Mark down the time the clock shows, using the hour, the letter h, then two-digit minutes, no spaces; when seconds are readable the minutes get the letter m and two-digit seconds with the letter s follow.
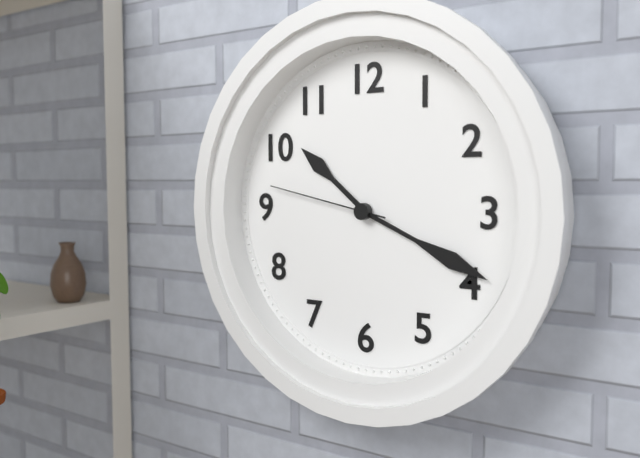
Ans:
10h19m47s
